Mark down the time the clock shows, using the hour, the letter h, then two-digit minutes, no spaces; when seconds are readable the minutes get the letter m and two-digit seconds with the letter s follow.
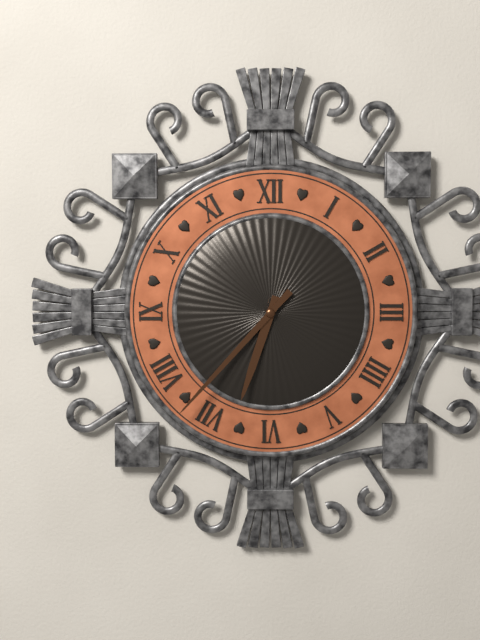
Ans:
6h37
